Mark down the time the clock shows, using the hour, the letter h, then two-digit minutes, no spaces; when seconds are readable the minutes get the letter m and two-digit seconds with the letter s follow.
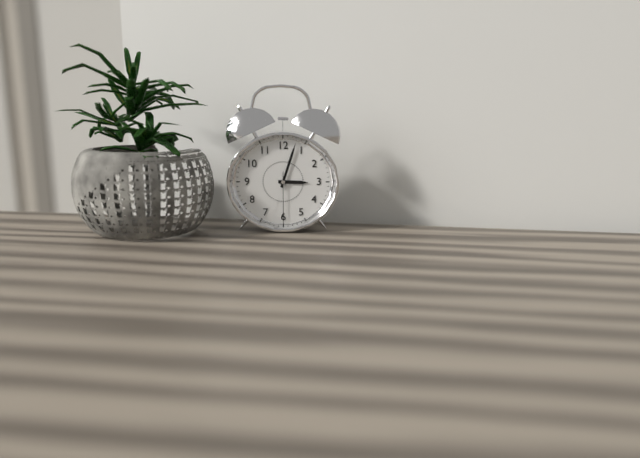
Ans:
3h03m30s
